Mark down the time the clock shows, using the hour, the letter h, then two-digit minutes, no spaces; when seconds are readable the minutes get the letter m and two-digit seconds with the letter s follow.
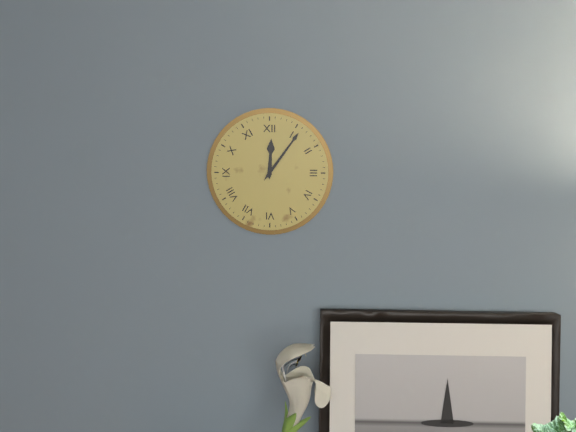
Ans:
12h06
